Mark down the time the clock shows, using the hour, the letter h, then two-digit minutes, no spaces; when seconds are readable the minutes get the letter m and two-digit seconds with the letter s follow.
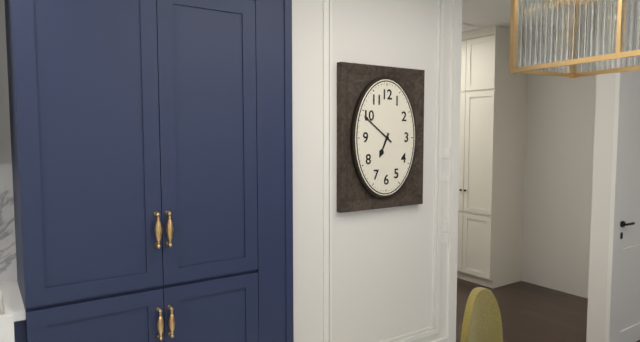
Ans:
6h51
